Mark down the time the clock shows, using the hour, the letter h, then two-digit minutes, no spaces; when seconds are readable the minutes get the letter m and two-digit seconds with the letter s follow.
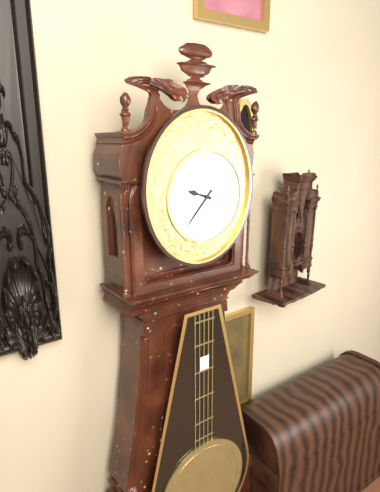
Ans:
9h37
